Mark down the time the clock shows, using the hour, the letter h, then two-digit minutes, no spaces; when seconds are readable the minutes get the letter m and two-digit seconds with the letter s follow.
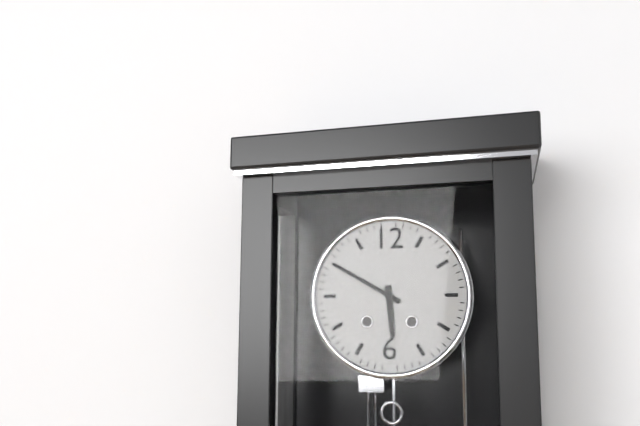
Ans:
5h50
